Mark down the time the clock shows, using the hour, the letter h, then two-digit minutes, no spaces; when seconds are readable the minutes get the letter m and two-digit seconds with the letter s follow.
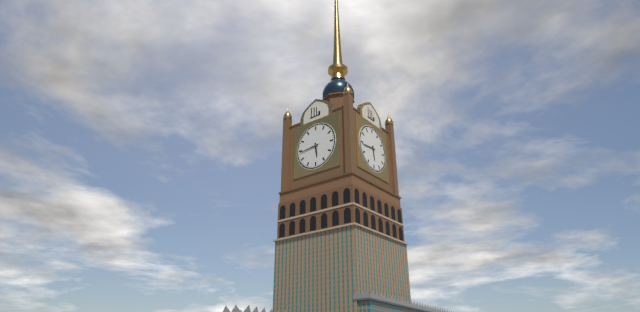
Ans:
5h44
